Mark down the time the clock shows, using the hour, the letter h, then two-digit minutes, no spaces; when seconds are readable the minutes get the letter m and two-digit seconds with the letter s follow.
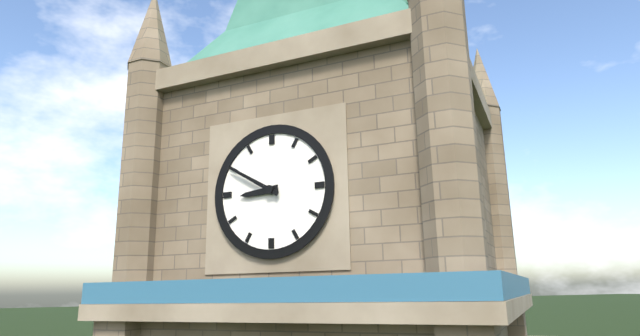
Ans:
8h50
